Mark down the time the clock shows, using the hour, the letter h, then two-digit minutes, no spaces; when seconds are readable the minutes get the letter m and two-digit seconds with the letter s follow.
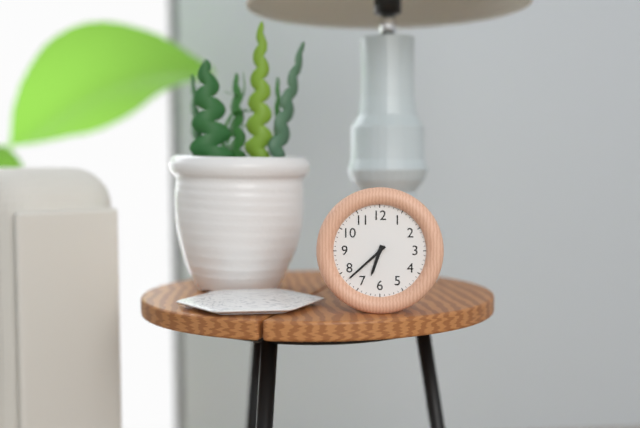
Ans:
6h38
